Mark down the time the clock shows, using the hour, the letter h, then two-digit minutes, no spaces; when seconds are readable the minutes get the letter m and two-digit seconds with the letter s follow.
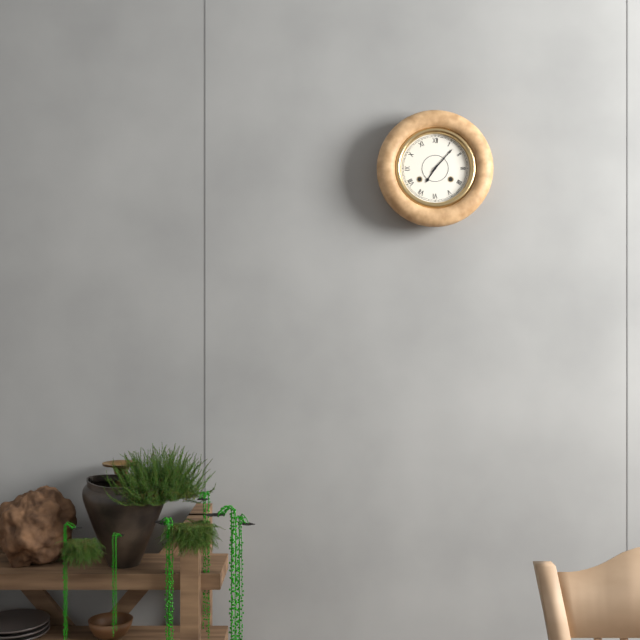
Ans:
7h07
